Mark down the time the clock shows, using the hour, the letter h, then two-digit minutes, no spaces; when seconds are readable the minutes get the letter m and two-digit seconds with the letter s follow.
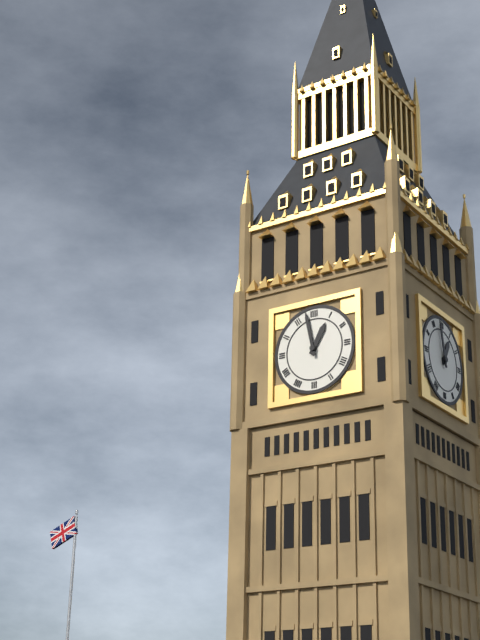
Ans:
12h58
